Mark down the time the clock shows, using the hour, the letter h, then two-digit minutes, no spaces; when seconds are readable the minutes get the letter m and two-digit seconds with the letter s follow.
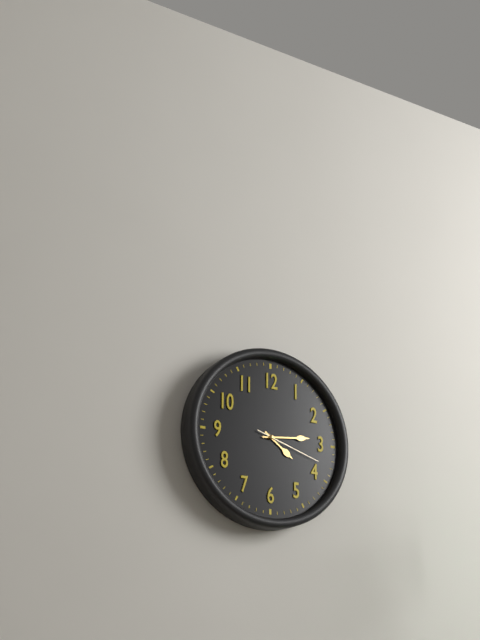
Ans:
4h14m18s
